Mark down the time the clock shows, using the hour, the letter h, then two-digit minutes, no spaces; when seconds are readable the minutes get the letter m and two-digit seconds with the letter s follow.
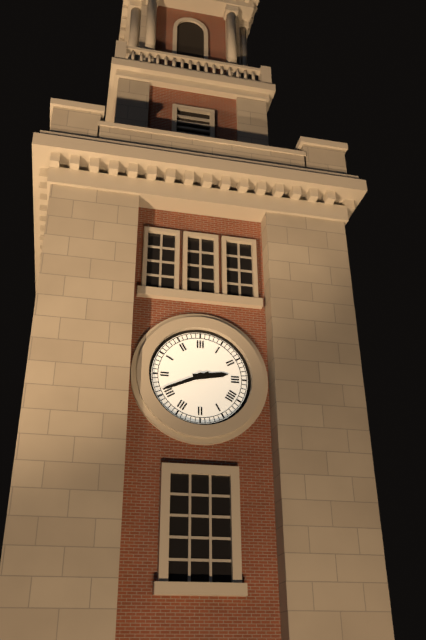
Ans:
2h41
